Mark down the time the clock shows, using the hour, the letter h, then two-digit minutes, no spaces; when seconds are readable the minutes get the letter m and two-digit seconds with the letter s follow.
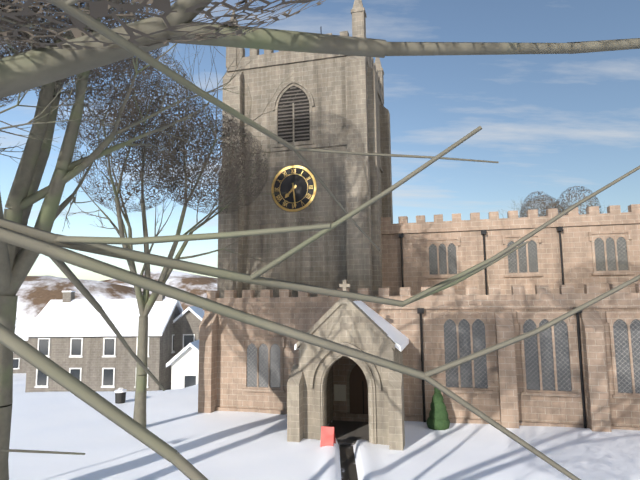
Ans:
7h29
